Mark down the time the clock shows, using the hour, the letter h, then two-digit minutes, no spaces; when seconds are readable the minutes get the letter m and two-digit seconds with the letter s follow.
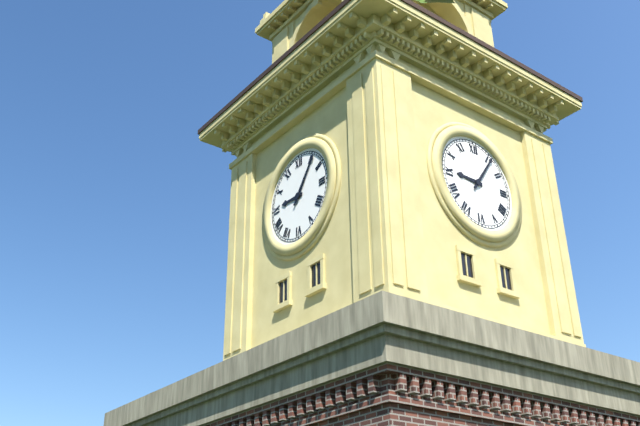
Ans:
9h06
